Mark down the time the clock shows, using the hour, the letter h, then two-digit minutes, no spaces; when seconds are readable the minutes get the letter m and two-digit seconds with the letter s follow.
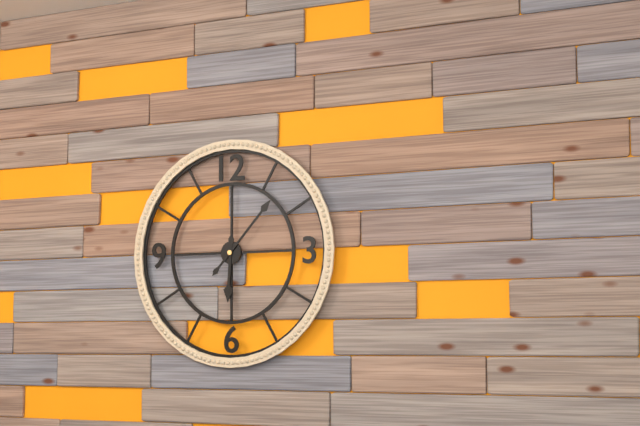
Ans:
6h07
